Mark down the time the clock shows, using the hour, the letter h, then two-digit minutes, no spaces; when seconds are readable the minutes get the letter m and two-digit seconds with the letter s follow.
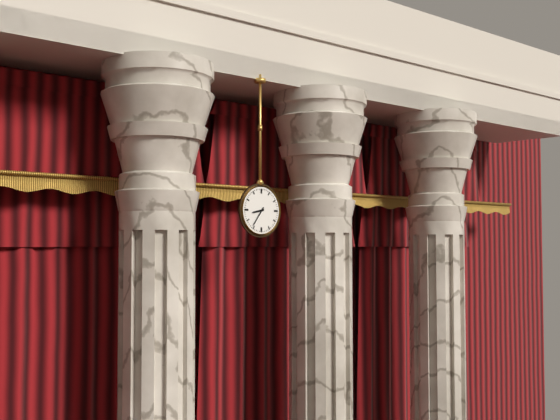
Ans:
8h36
